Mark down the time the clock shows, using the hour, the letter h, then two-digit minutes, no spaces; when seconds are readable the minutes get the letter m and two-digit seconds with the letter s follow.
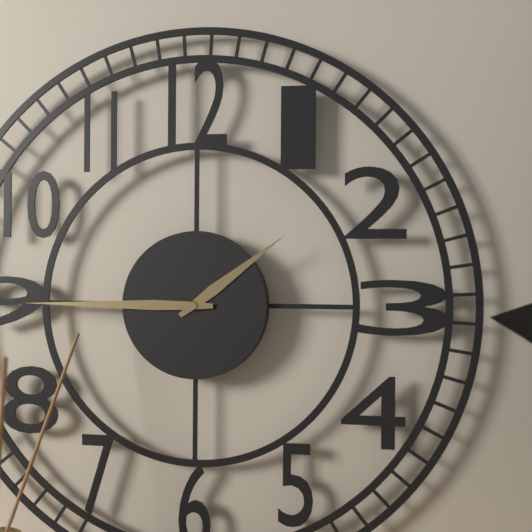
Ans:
1h45
